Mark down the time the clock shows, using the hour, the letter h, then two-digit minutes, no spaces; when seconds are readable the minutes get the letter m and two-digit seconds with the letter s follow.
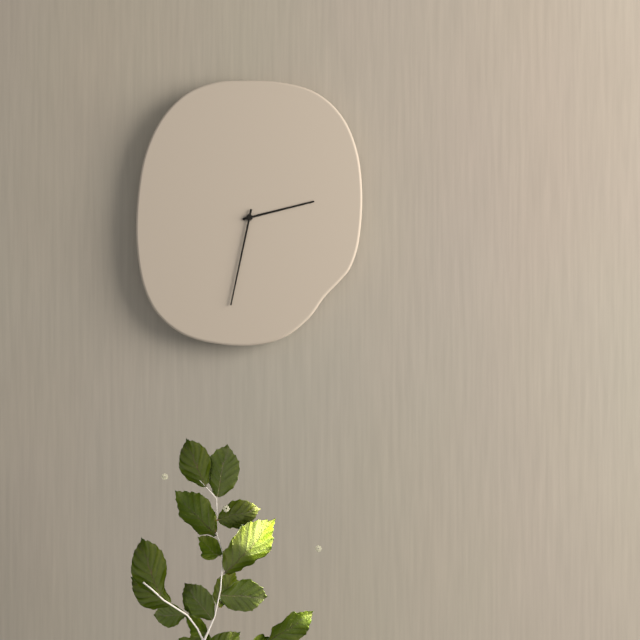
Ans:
2h32
